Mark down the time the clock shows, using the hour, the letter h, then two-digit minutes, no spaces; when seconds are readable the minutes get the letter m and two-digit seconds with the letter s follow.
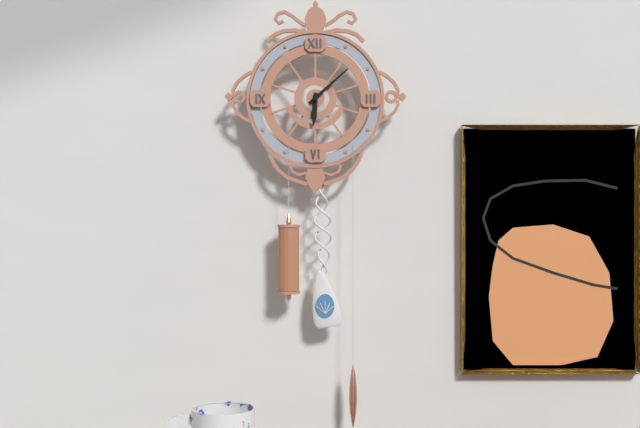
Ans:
6h08
